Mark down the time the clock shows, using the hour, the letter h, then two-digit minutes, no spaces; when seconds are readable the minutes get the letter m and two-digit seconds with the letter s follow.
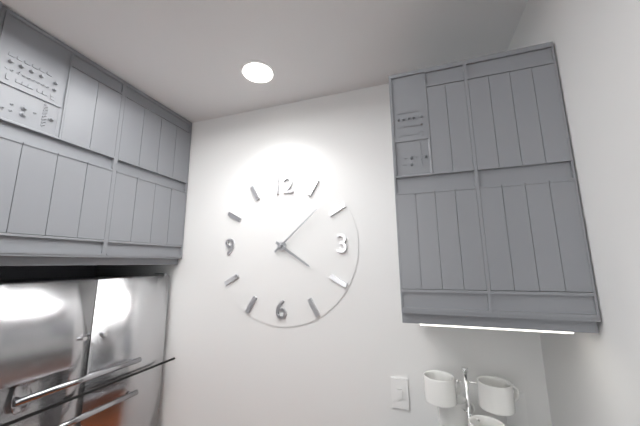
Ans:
4h08
